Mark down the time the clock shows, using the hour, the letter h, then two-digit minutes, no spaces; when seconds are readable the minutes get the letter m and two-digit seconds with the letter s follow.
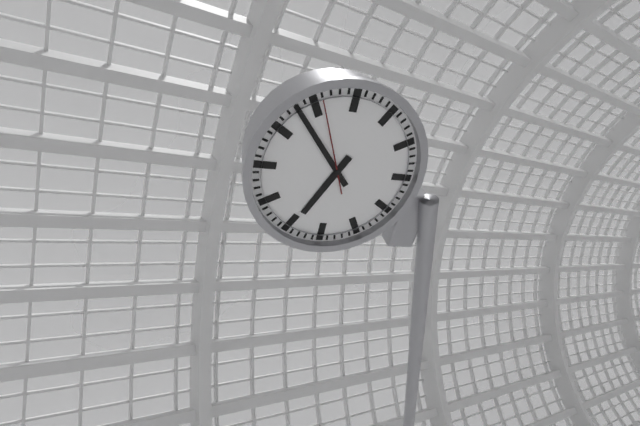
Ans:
6h53m56s
